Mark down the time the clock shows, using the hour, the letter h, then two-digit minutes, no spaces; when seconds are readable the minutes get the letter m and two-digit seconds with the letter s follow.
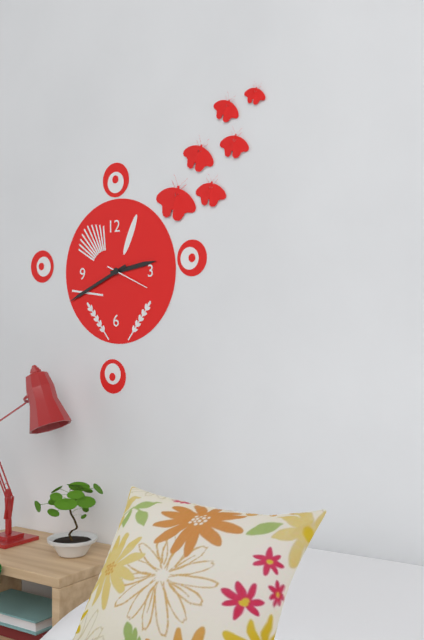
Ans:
2h41
